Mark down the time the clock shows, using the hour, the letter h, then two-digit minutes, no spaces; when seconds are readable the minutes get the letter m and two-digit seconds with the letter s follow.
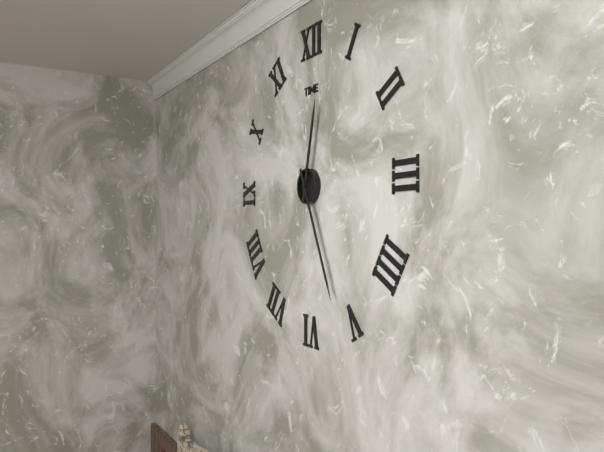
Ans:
12h26
